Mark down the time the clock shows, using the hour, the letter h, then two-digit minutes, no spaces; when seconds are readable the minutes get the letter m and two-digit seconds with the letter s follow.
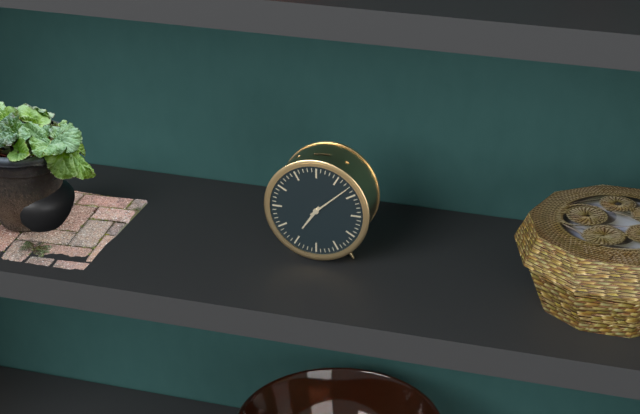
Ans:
7h08
